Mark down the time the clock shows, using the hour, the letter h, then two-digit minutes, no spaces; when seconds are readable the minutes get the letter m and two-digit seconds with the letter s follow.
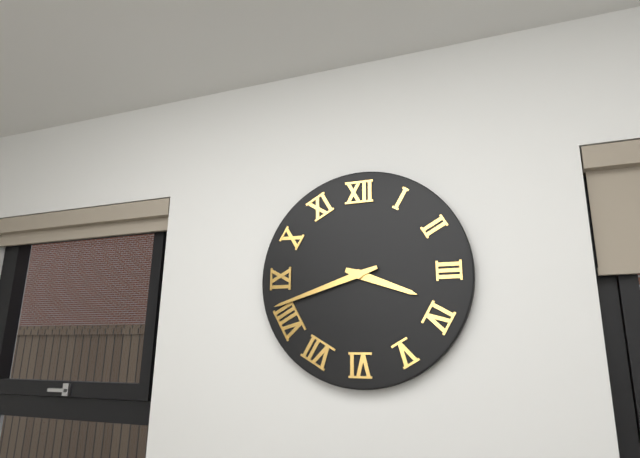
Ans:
3h42
